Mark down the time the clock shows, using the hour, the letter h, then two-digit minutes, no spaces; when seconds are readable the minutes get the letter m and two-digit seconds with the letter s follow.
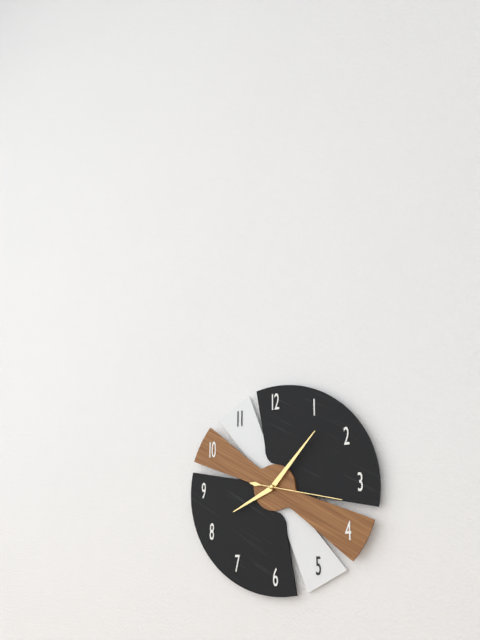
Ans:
8h07m17s
